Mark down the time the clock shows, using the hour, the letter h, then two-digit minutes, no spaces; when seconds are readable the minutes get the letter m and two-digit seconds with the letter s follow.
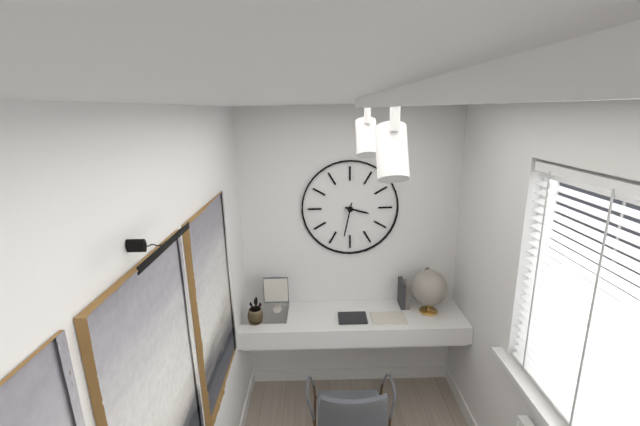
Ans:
3h32
